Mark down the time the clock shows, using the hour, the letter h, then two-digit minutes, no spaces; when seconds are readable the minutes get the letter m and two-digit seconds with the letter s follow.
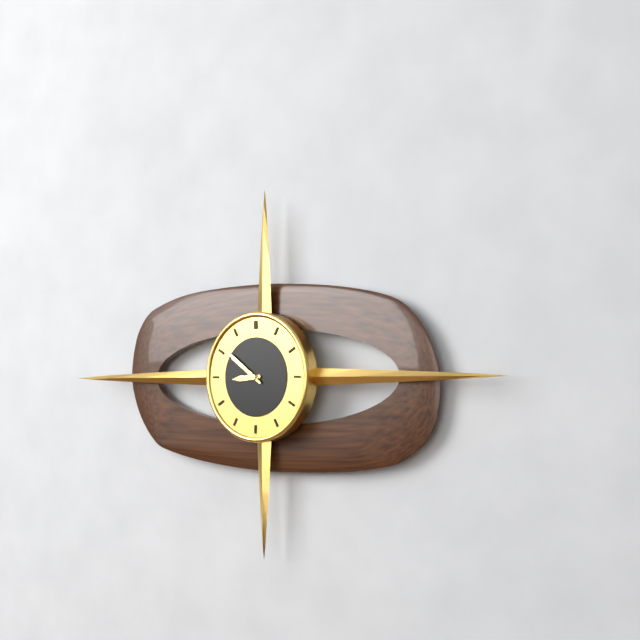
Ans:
8h51
